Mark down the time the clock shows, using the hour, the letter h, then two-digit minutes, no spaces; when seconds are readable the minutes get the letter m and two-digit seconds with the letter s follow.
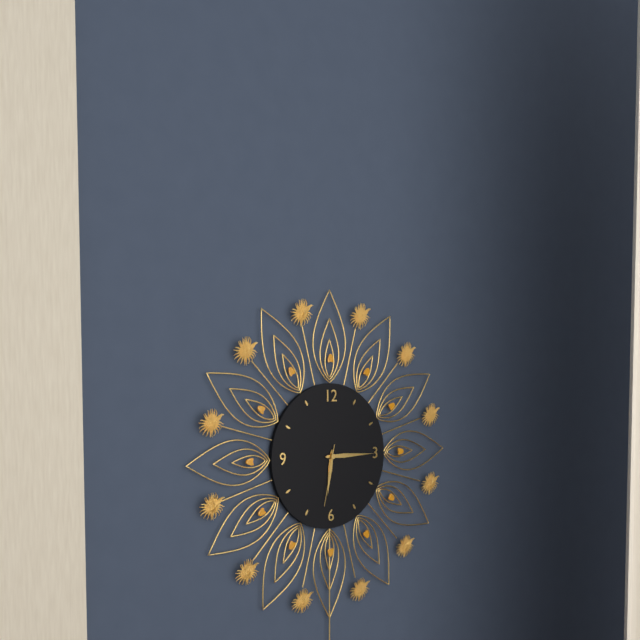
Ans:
6h15m32s
